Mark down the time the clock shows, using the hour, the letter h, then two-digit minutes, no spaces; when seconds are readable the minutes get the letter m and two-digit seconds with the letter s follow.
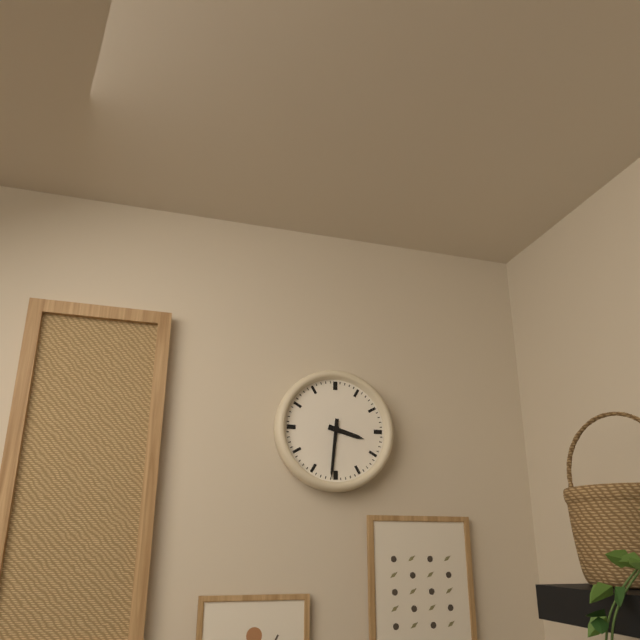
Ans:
3h31
